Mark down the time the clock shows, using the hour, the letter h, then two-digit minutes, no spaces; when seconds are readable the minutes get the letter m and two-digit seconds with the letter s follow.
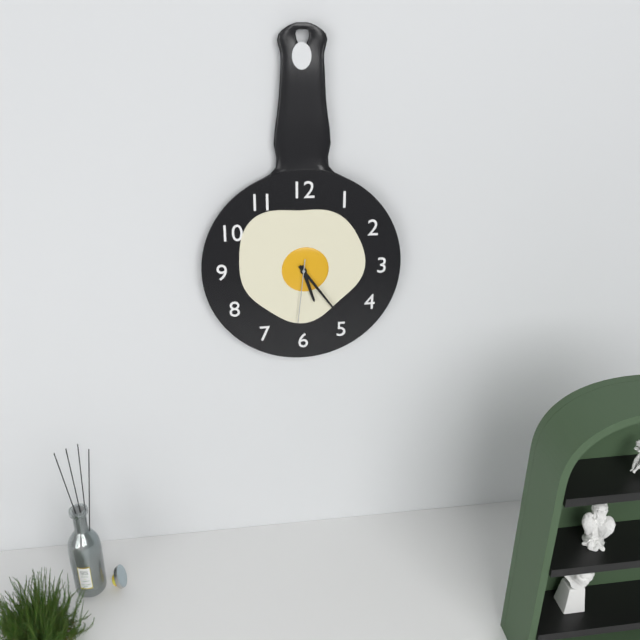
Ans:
5h24m31s
